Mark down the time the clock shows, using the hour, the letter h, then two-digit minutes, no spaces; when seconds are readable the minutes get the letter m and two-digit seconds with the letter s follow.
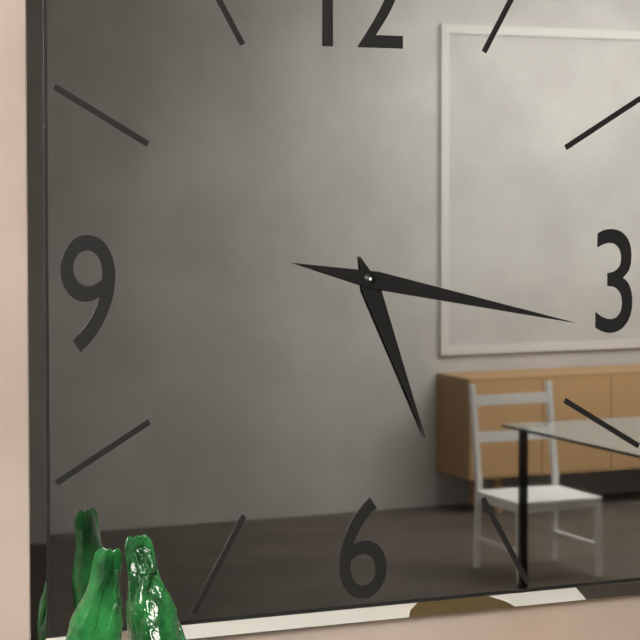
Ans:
5h17
